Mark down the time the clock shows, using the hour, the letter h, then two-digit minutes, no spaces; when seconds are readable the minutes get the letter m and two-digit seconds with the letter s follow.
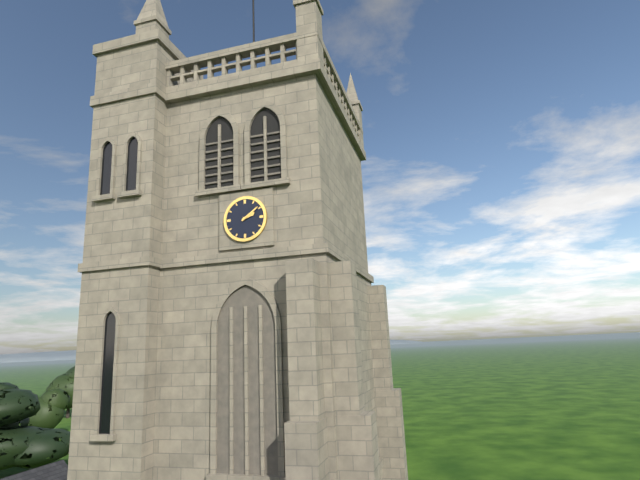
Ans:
2h09
